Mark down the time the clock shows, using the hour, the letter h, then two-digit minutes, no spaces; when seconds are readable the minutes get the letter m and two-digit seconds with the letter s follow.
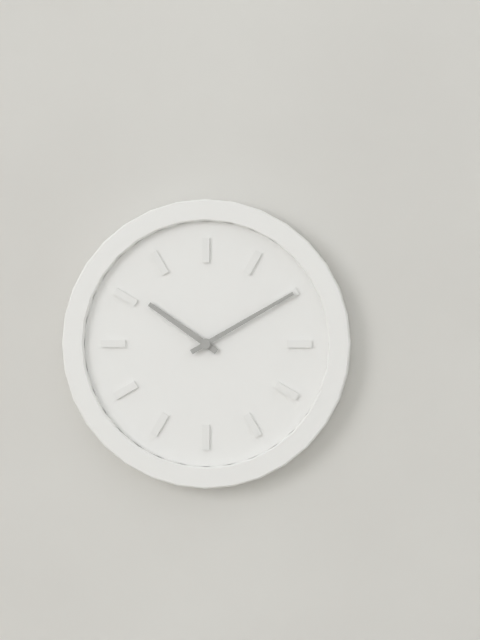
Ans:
10h10
